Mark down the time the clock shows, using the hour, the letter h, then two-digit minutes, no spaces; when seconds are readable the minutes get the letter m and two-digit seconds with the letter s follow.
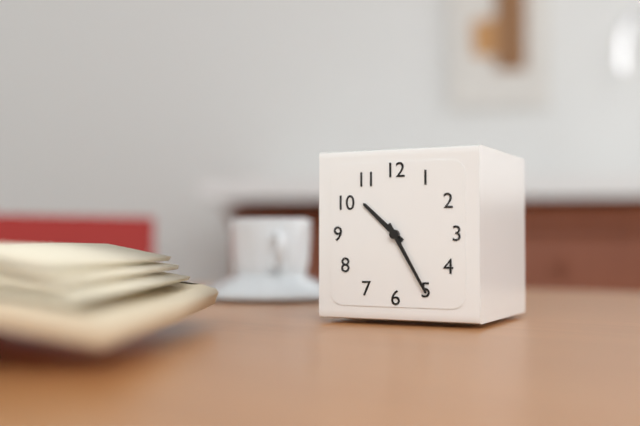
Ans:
10h25
